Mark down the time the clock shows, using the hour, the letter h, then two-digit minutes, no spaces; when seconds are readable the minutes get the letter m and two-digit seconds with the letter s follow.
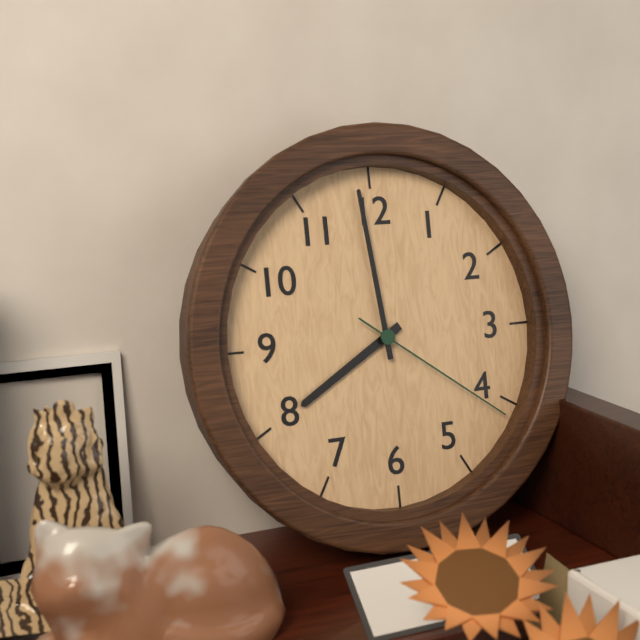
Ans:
7h59m21s
